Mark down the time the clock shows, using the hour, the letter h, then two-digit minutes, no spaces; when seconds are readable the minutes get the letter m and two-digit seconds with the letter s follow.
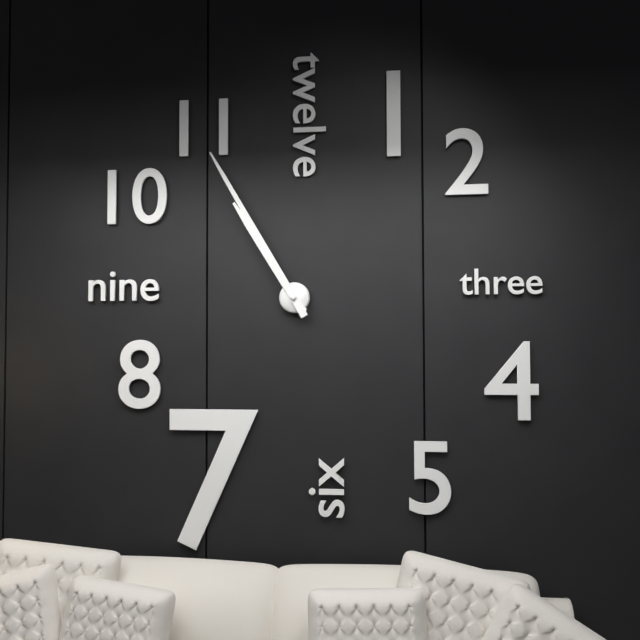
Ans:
10h55
